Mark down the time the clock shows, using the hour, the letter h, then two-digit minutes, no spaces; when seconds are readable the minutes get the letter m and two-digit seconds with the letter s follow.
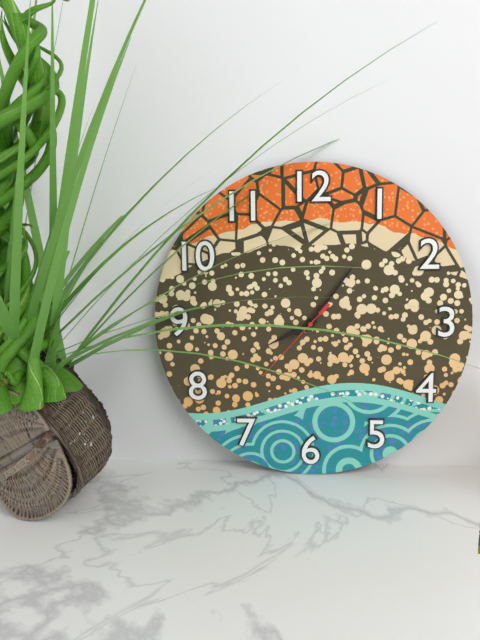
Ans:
8h06m37s
